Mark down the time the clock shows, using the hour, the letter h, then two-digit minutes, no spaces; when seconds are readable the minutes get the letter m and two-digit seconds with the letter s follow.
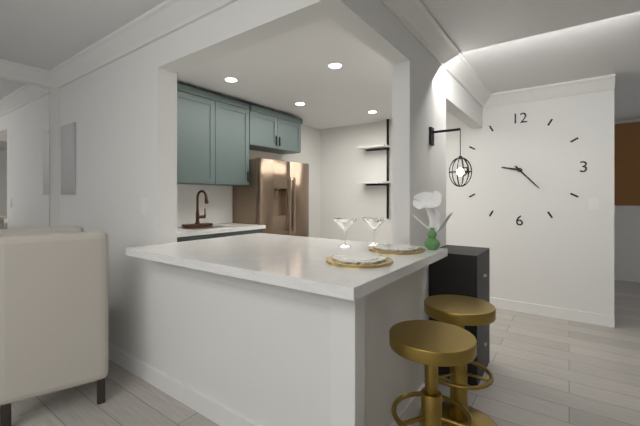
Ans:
9h23
